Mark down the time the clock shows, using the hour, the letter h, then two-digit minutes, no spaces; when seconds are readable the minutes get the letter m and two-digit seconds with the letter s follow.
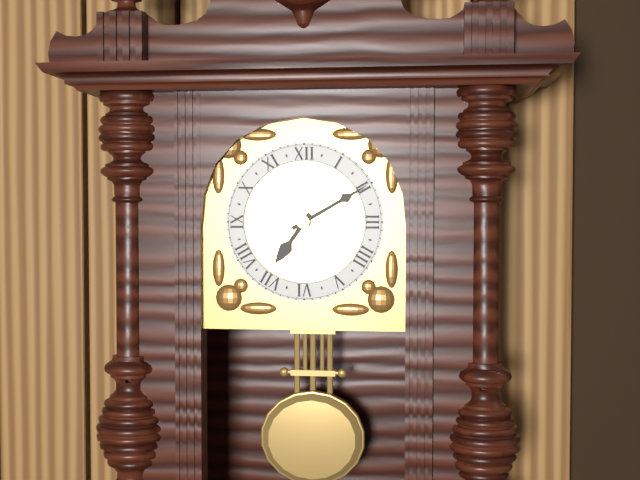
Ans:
7h10
